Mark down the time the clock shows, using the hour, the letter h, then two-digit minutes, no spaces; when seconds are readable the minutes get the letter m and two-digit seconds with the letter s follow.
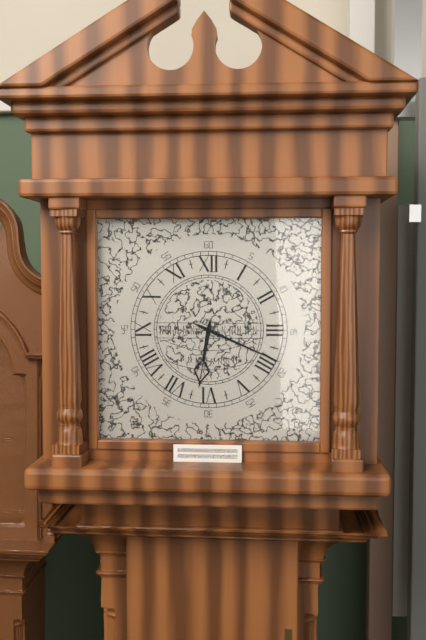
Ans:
6h19
